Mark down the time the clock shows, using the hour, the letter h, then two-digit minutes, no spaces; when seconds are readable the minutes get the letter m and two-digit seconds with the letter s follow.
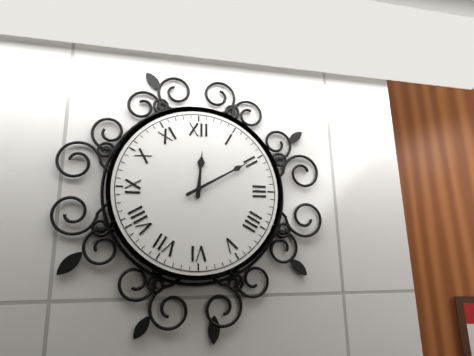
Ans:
12h10
